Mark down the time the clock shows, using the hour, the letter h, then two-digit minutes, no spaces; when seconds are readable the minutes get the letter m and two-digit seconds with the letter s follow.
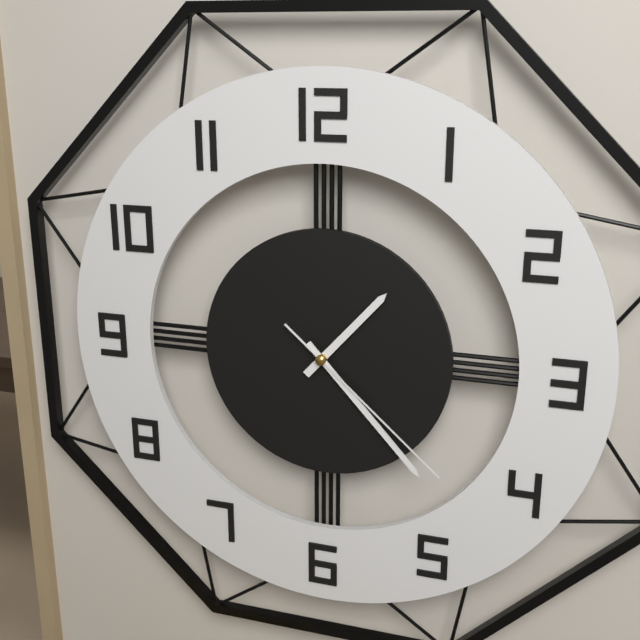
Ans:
1h23m22s
